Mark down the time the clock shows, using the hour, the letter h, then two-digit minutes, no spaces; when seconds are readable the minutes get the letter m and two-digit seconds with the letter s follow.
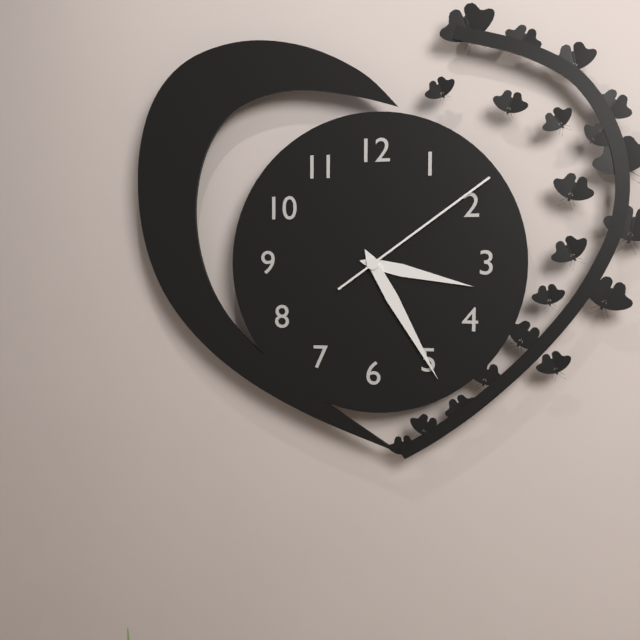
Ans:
3h25m09s
